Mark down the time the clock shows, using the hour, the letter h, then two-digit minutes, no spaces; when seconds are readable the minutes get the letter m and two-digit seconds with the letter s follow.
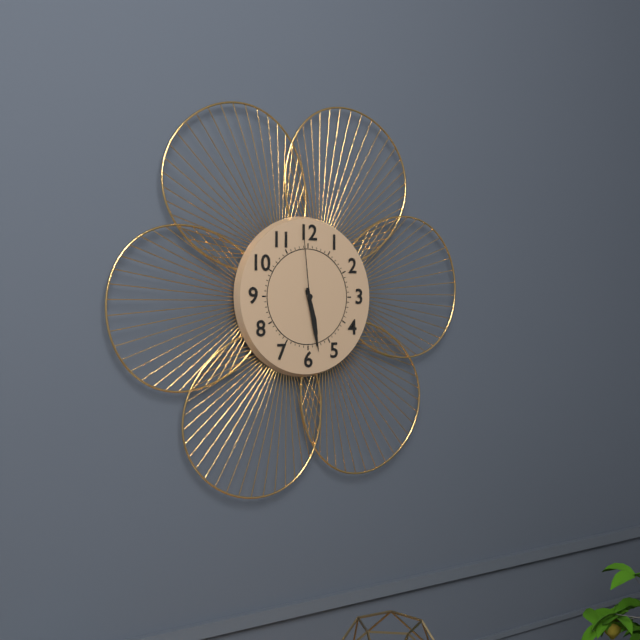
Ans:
5h28m59s
